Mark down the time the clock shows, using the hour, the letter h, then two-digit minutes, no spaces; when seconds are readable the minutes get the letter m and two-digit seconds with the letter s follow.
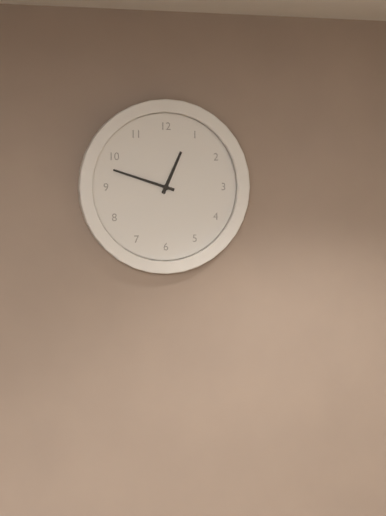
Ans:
12h48
